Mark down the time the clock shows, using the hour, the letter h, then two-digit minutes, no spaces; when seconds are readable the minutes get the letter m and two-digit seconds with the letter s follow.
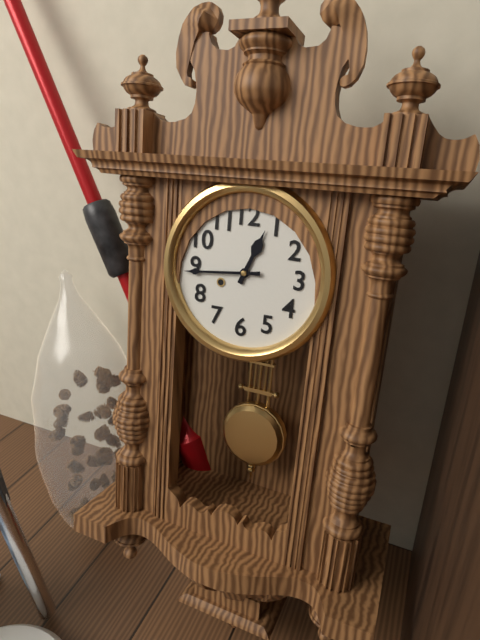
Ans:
12h44
